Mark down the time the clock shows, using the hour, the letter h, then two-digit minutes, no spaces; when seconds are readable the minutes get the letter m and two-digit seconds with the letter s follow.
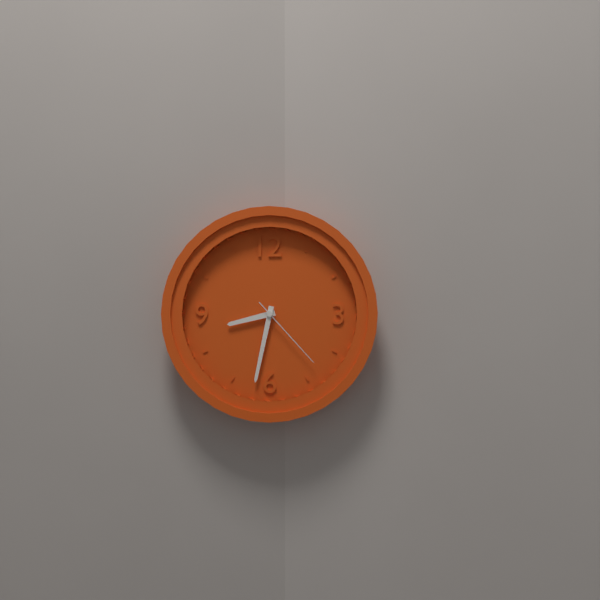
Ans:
8h32m23s
